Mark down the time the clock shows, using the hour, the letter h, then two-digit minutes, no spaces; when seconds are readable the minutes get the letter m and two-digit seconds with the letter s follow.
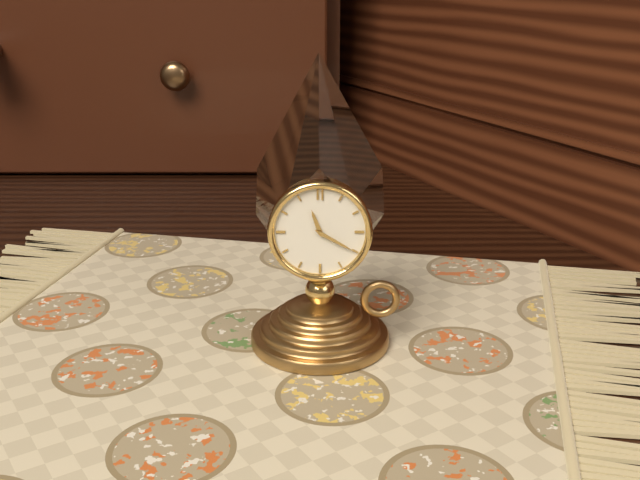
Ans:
11h20
